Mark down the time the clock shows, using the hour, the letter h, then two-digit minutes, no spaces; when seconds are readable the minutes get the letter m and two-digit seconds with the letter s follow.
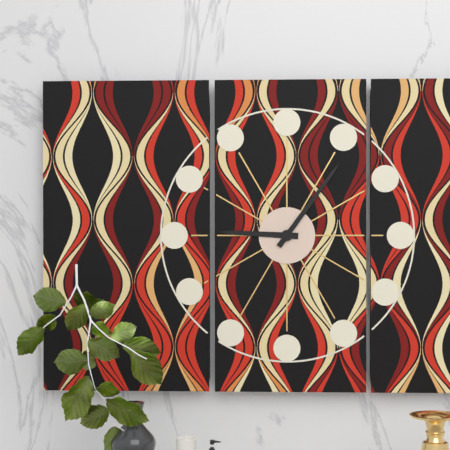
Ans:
9h06
